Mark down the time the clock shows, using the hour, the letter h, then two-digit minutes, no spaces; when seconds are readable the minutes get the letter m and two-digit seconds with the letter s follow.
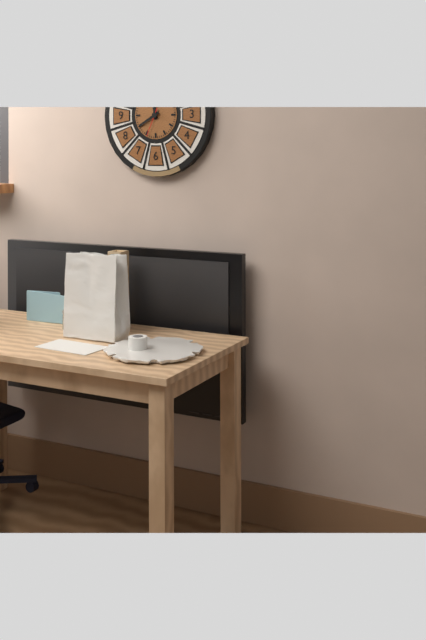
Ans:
11h40
